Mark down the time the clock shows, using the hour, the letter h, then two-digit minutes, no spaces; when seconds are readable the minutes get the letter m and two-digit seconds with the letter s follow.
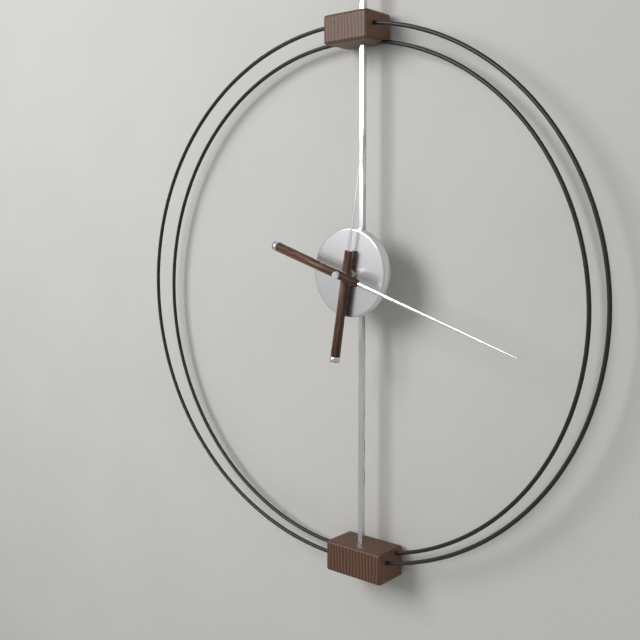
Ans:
12h18
